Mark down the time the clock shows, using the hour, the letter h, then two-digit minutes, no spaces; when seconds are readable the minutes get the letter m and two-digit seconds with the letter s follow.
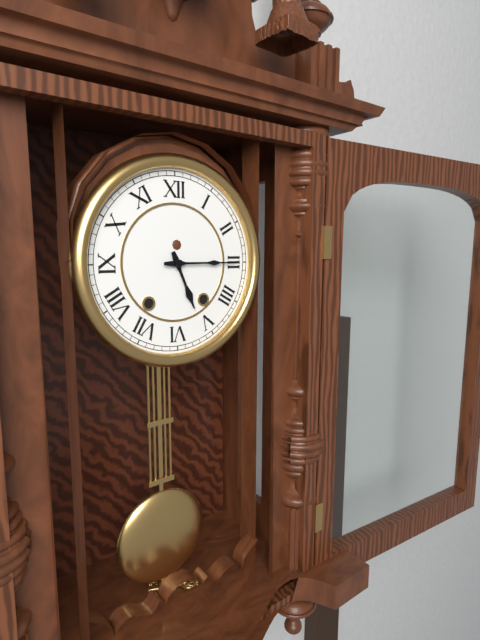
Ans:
5h15
